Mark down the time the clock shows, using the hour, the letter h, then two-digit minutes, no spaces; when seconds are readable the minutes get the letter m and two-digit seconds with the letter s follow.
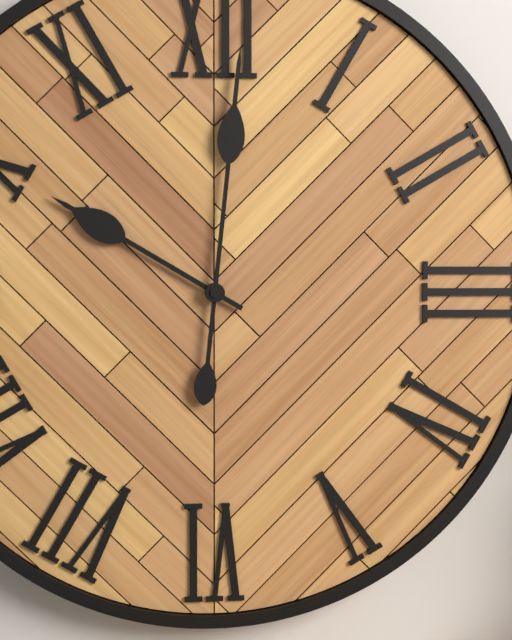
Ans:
10h01
